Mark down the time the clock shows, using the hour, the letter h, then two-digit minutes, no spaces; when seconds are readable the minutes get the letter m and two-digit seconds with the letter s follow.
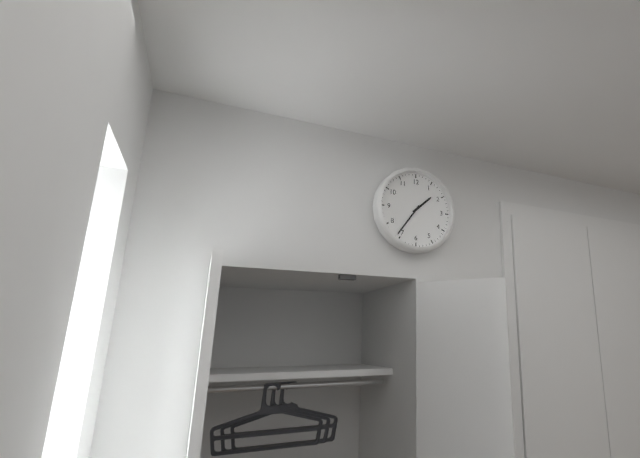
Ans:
1h36
